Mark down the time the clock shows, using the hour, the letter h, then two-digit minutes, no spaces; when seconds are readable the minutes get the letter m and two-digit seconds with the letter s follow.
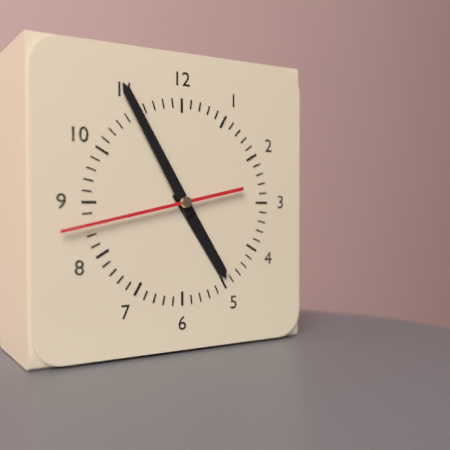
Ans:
4h55m43s
